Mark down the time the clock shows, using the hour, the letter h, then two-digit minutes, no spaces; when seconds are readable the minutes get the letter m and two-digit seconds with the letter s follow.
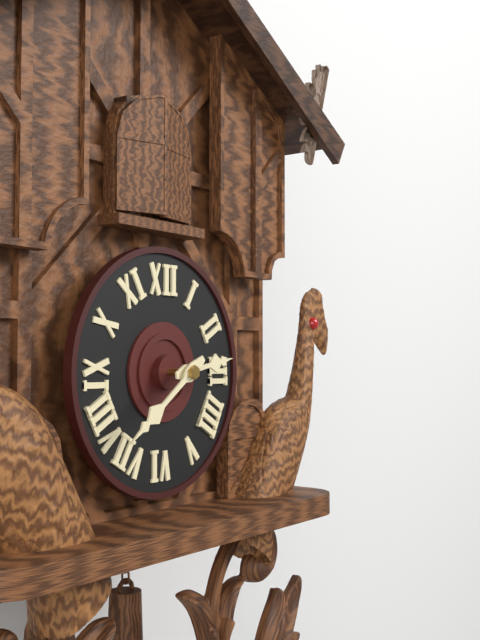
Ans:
2h39
